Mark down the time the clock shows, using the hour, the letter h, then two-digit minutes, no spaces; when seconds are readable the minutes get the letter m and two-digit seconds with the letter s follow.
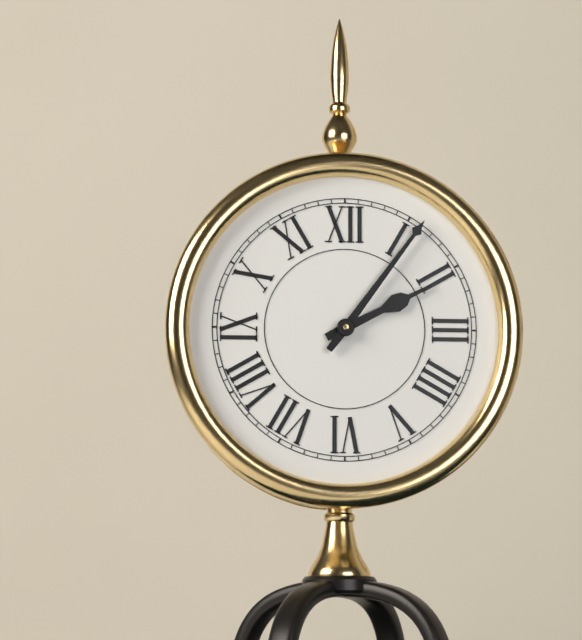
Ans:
2h06
